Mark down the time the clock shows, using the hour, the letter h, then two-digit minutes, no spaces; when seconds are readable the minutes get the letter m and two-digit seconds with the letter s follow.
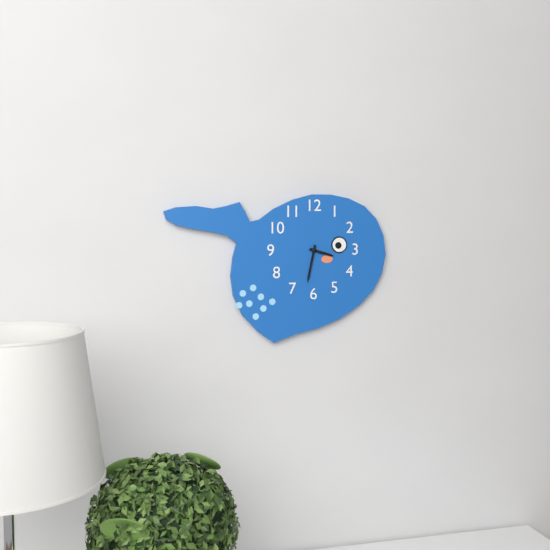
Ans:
3h32
